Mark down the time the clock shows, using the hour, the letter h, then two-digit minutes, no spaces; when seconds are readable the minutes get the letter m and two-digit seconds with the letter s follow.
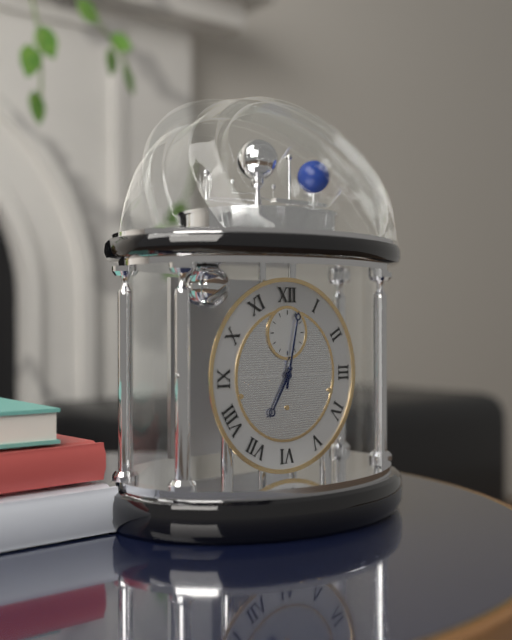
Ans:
7h02
